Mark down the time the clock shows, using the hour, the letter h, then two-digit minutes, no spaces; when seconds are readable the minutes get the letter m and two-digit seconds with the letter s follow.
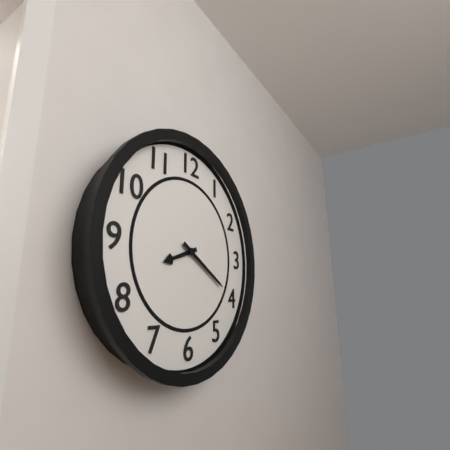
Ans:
8h20
